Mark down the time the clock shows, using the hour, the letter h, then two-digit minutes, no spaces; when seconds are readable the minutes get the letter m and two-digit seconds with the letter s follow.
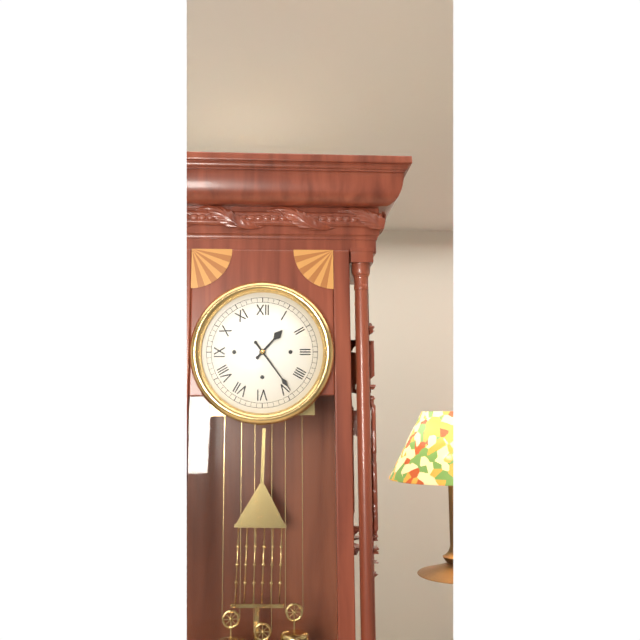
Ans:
1h24
